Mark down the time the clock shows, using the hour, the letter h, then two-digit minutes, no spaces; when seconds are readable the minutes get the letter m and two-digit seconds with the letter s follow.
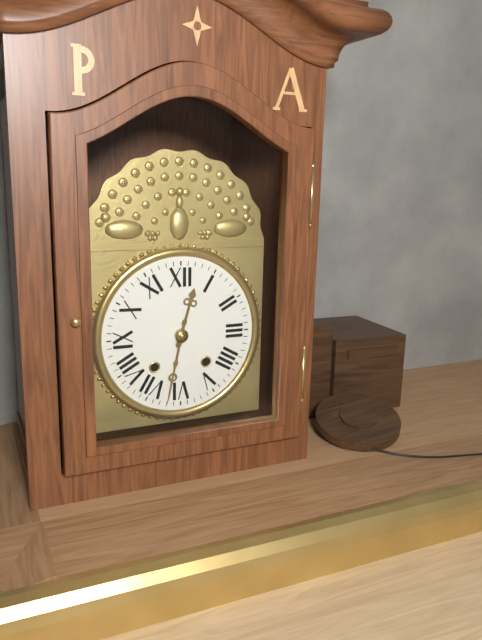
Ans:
12h32
